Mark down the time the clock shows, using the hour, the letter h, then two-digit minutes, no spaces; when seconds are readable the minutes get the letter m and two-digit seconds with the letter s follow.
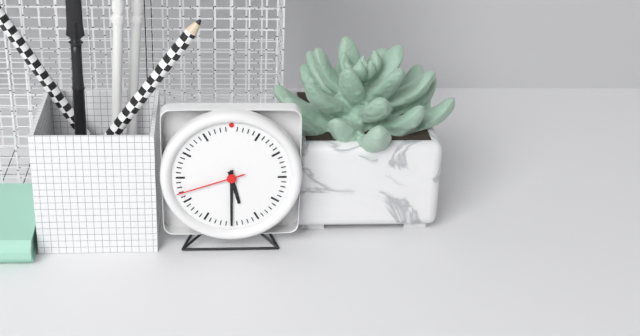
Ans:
5h30m42s
